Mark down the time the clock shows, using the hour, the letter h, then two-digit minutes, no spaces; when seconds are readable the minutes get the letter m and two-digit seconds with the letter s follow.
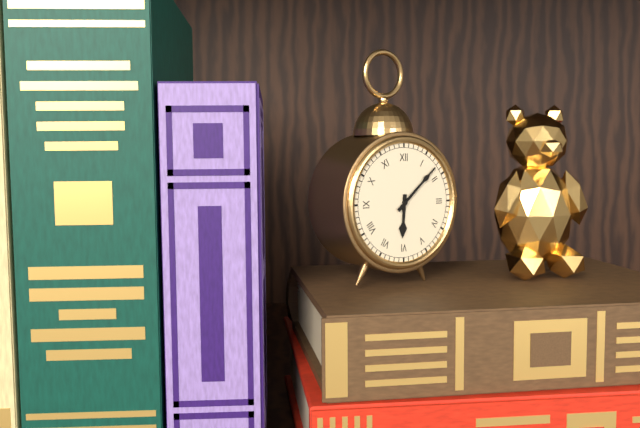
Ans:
6h08
